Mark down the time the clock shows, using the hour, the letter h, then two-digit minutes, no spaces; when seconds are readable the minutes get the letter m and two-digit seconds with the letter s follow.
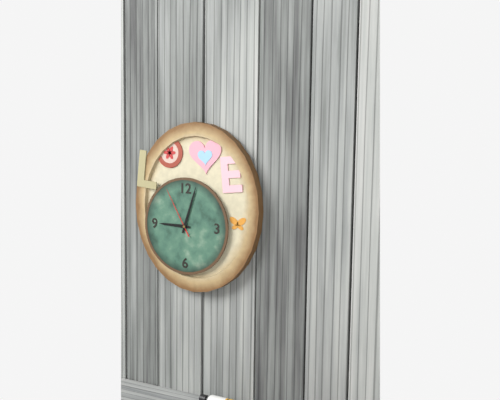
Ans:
9h03m55s
